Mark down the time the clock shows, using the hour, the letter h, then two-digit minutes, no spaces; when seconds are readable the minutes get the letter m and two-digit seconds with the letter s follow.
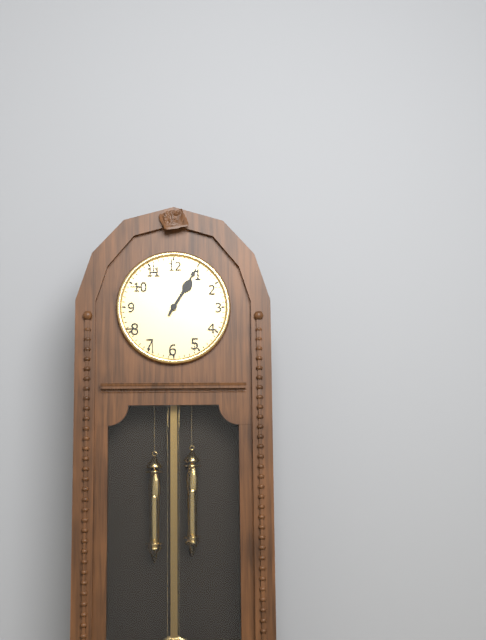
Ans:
1h05
